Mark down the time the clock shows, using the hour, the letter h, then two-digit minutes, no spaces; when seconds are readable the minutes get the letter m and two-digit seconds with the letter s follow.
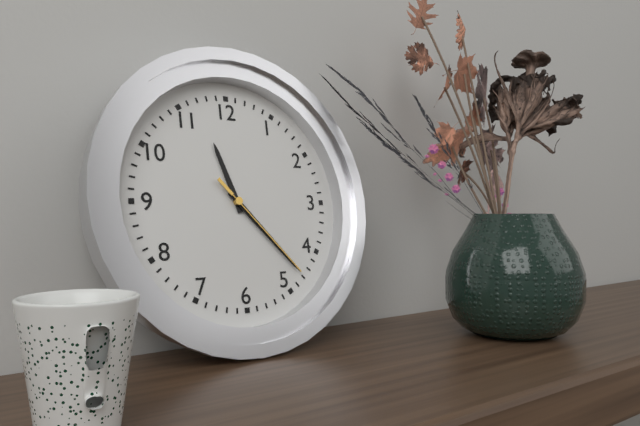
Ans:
11h23m23s
